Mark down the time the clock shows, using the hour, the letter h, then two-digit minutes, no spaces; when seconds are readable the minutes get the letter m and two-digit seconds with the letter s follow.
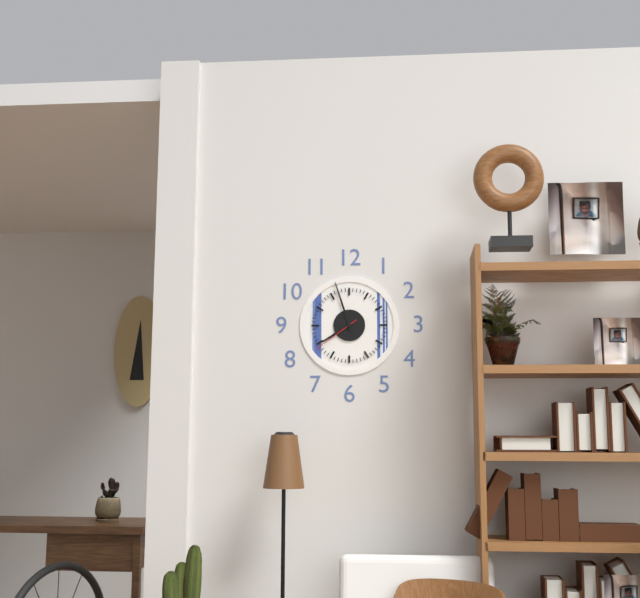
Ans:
7h57m39s
